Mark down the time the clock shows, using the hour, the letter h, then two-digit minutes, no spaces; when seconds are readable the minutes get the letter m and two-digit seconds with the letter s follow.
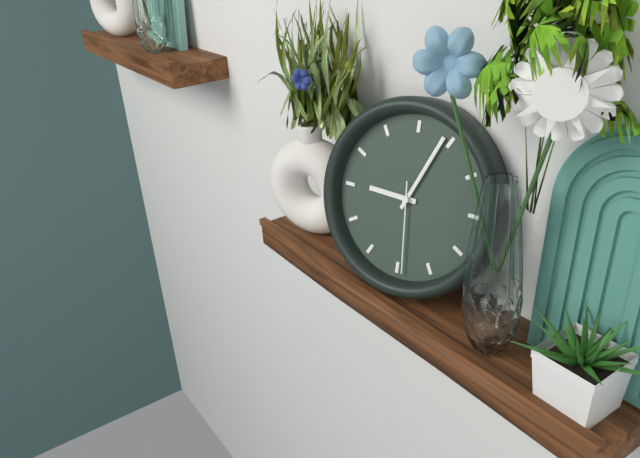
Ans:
9h04m29s
